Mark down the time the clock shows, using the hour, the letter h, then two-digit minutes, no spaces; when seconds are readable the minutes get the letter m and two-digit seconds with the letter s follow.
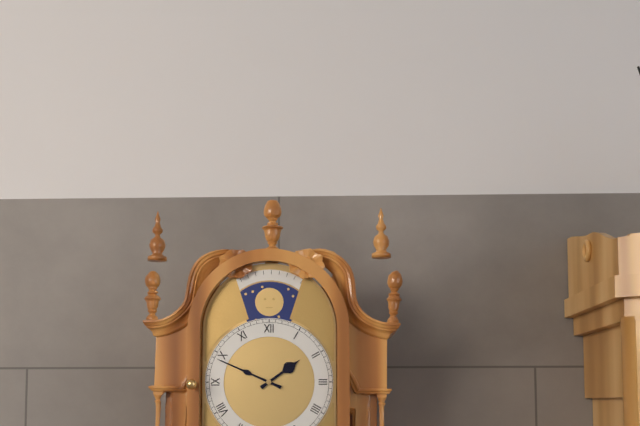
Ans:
1h49
